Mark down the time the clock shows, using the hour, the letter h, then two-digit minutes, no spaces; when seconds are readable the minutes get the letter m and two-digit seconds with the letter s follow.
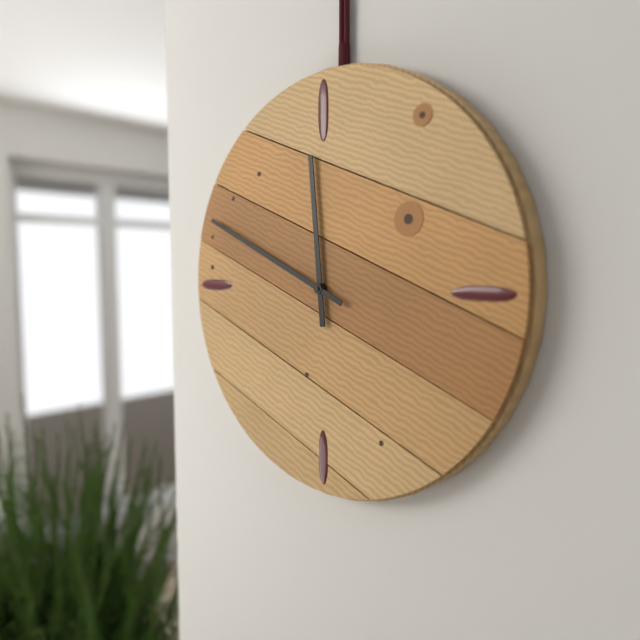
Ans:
11h49
